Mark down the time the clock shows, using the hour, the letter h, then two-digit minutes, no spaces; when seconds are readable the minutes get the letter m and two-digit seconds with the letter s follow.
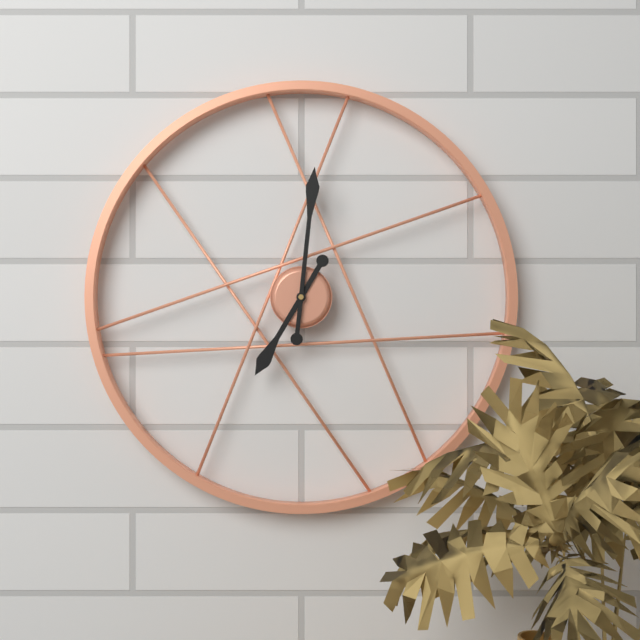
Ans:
7h01
